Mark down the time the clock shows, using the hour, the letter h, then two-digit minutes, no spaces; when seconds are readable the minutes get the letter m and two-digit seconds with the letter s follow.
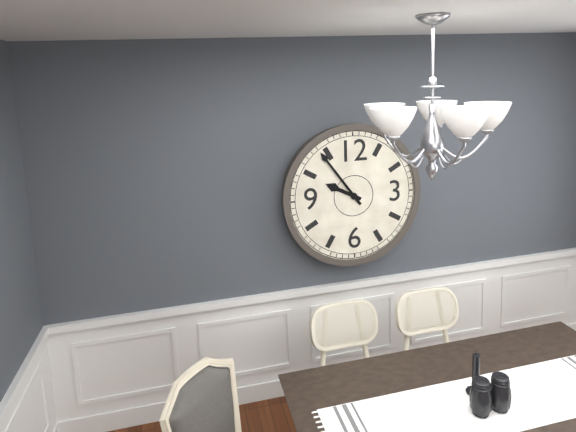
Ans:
9h54
